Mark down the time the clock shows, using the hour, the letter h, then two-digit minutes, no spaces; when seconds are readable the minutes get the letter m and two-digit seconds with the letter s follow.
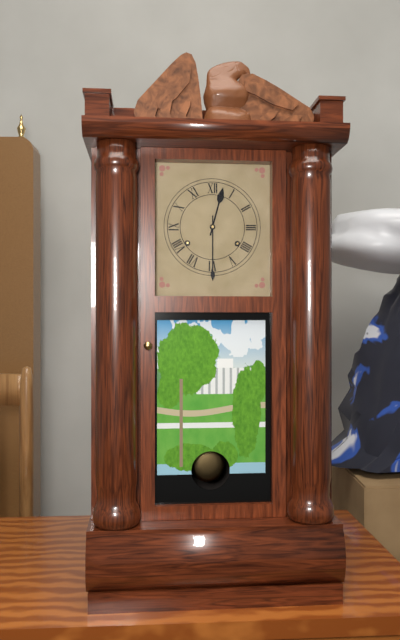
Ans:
12h30
